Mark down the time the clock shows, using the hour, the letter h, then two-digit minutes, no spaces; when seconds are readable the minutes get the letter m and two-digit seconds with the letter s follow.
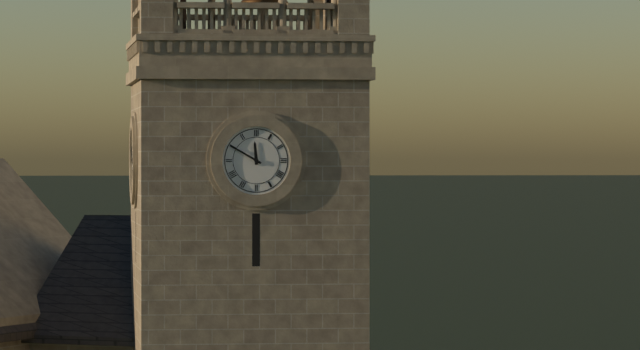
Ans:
11h50
